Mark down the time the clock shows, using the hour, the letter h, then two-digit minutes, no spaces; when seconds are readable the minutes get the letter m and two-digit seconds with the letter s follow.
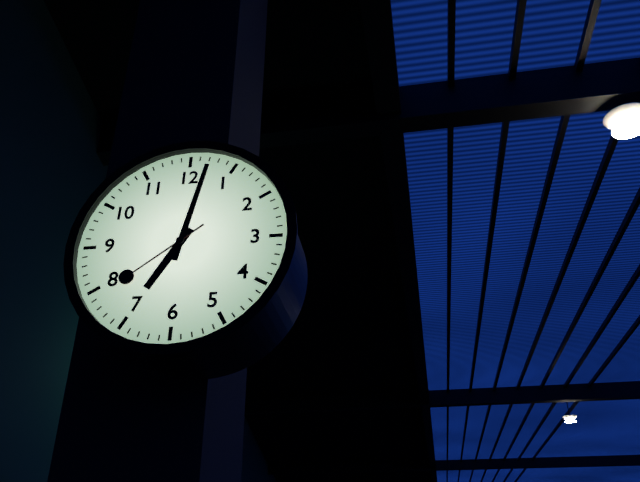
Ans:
7h02m39s
